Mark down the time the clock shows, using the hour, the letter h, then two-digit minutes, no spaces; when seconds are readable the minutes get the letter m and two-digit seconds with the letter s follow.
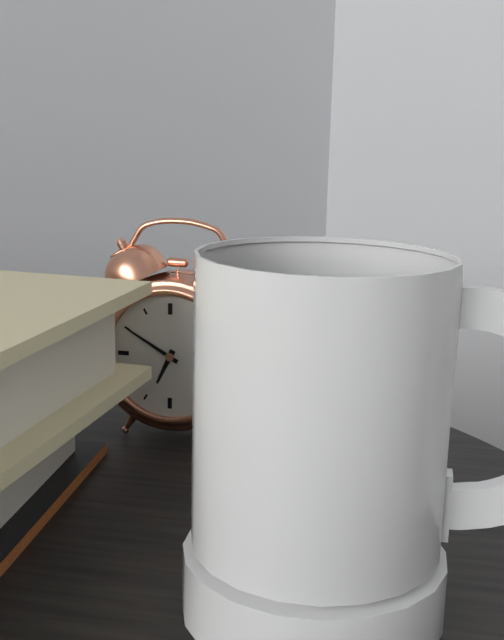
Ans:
6h50
